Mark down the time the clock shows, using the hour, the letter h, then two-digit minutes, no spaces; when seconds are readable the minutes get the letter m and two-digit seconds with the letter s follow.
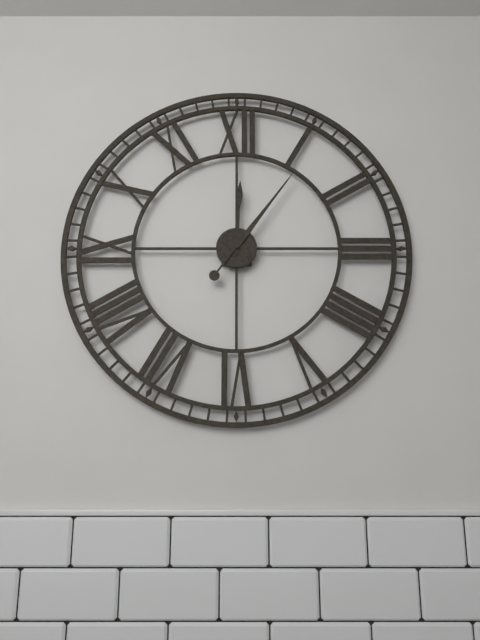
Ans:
12h06
